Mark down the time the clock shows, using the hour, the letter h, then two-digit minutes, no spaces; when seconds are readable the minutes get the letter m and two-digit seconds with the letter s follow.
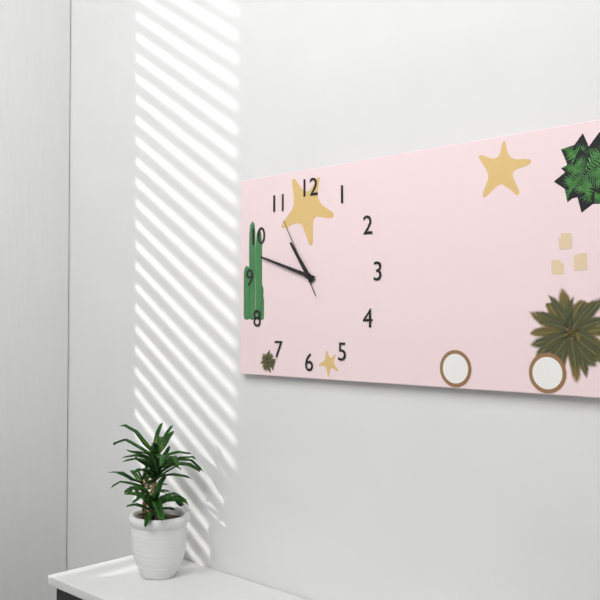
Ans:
10h48m55s
